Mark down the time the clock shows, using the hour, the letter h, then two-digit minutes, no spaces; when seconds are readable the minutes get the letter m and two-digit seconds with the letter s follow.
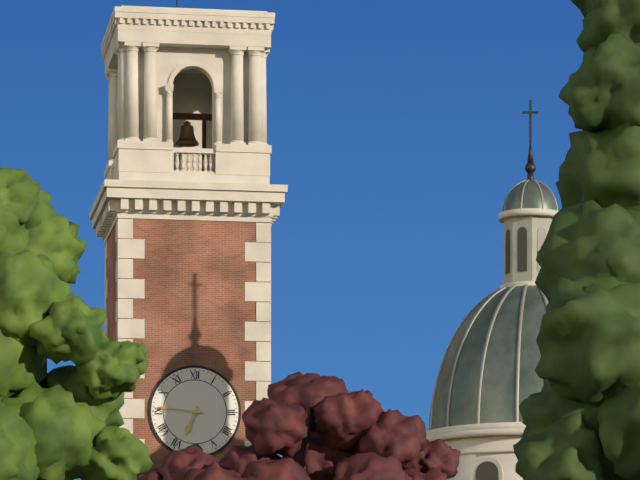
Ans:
6h46
